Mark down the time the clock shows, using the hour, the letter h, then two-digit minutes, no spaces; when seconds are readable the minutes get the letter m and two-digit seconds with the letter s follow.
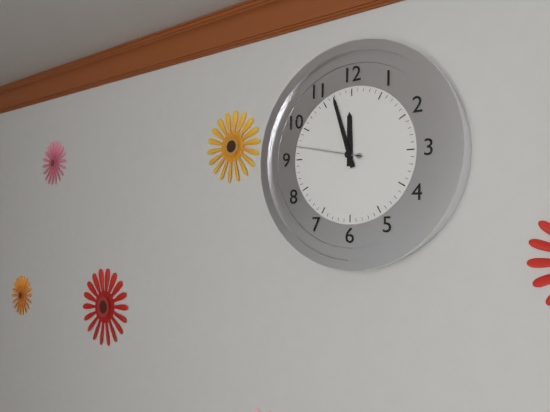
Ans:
11h57m47s
